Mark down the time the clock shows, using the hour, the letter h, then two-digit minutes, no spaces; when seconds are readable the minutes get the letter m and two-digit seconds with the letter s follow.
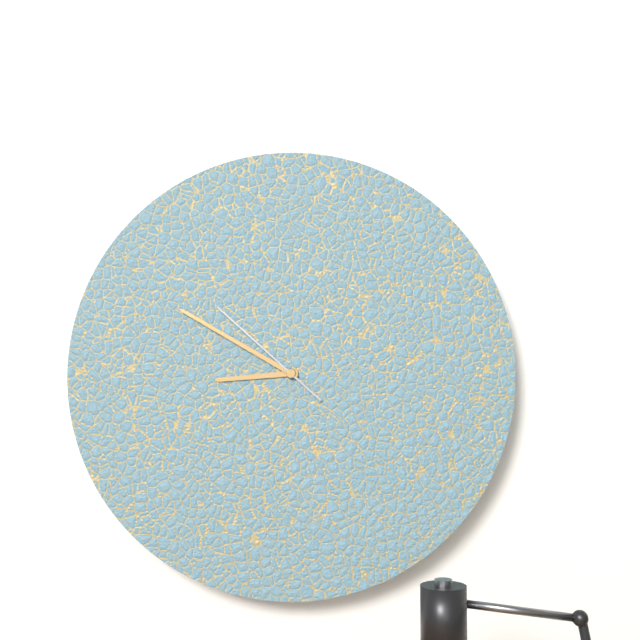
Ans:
8h50m52s
